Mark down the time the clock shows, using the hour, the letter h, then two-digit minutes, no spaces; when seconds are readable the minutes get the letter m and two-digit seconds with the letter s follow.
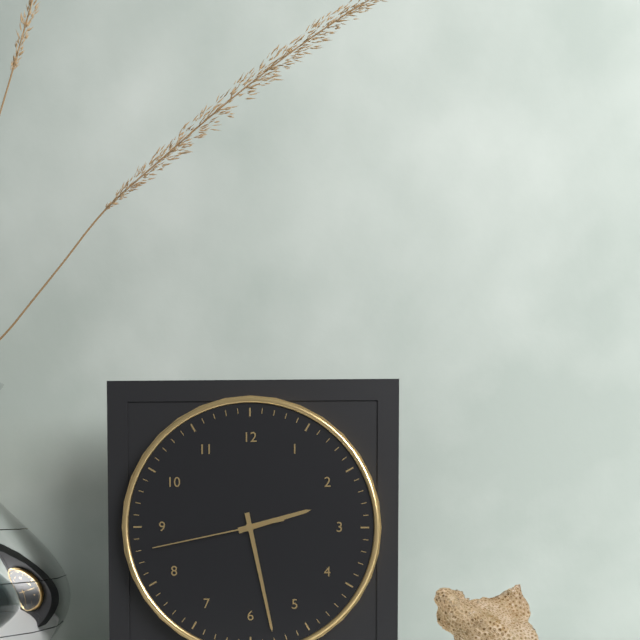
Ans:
2h28m43s
